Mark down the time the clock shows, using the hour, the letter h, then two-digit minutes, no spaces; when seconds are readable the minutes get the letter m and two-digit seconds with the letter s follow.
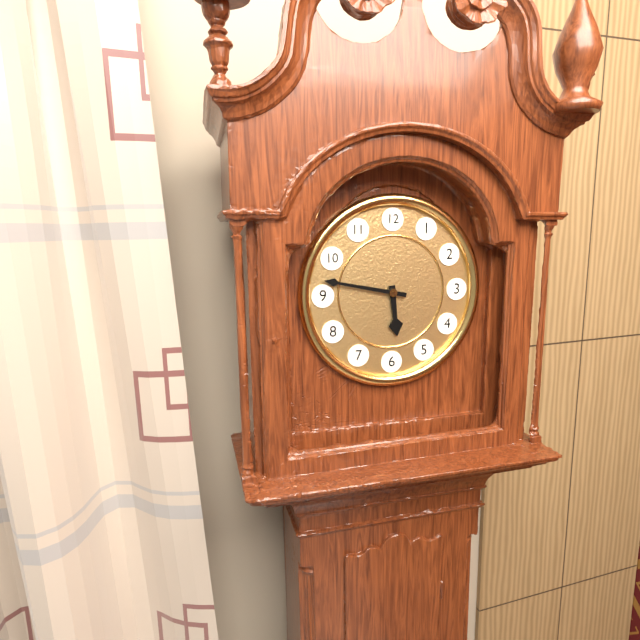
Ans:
5h47
